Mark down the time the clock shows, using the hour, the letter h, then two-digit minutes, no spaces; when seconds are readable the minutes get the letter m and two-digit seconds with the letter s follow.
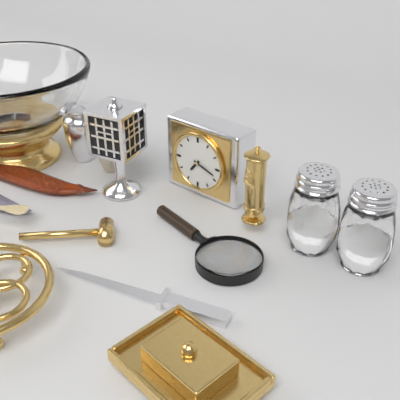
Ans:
7h18
